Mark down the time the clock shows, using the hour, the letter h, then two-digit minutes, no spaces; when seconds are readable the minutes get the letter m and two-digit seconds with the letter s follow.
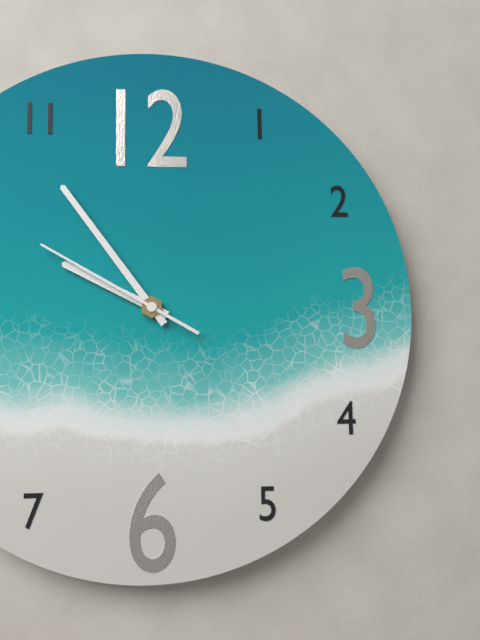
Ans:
9h54m50s
